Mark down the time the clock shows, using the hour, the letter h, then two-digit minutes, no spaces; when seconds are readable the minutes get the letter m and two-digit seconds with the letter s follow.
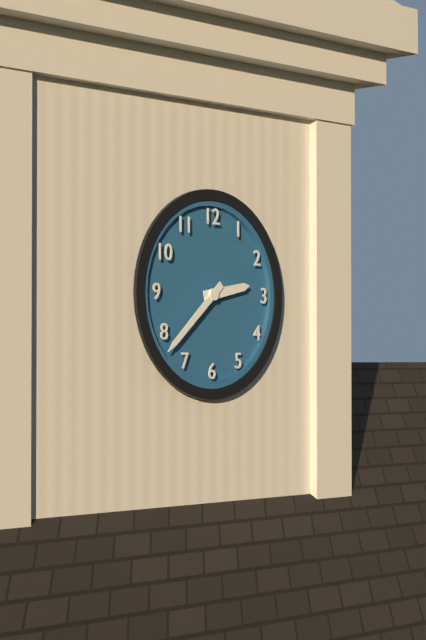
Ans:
2h38
